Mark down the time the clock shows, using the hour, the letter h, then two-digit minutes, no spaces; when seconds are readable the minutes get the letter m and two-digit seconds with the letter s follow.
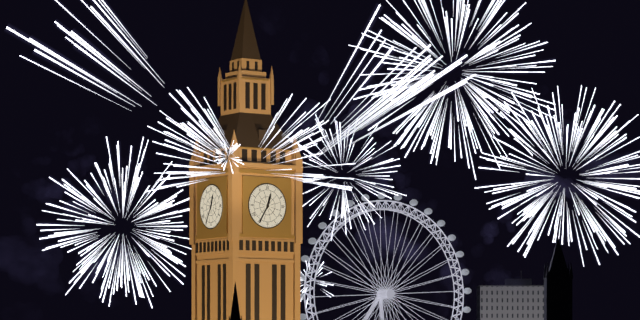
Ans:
12h35
